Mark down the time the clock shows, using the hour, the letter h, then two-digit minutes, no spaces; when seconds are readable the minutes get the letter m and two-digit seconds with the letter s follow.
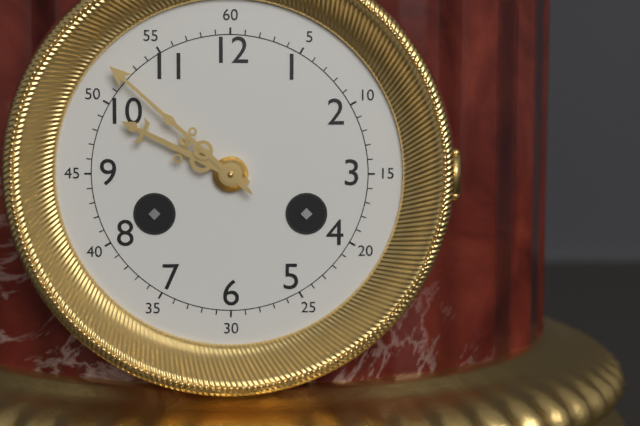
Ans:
9h52
